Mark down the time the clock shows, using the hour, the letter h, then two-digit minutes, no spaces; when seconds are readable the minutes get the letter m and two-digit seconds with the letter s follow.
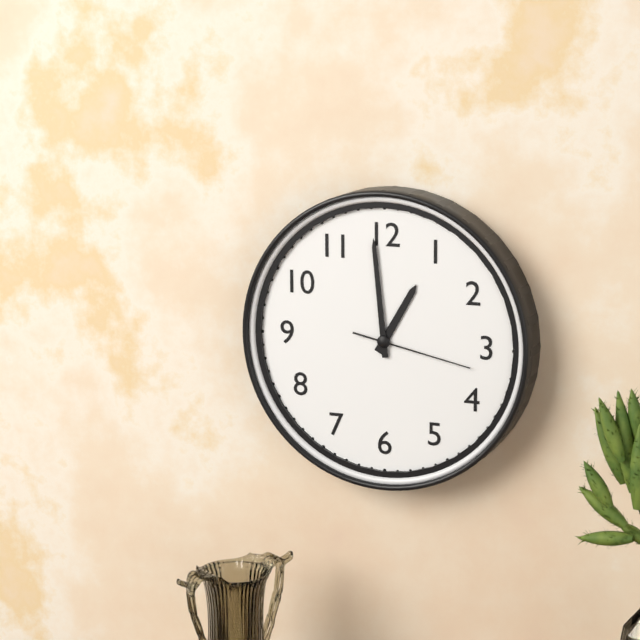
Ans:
12h59m17s
